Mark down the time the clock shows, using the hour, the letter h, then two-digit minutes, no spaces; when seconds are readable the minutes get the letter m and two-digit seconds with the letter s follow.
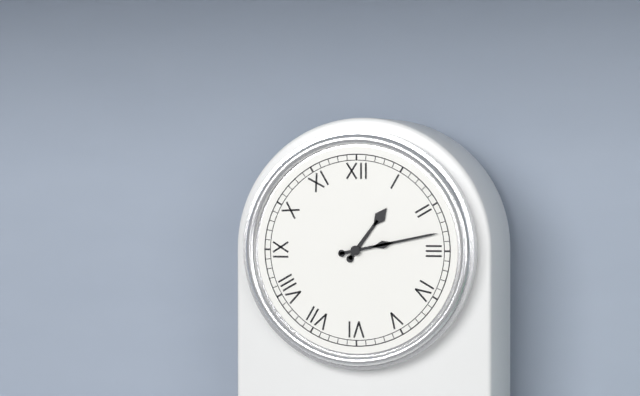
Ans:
1h13
